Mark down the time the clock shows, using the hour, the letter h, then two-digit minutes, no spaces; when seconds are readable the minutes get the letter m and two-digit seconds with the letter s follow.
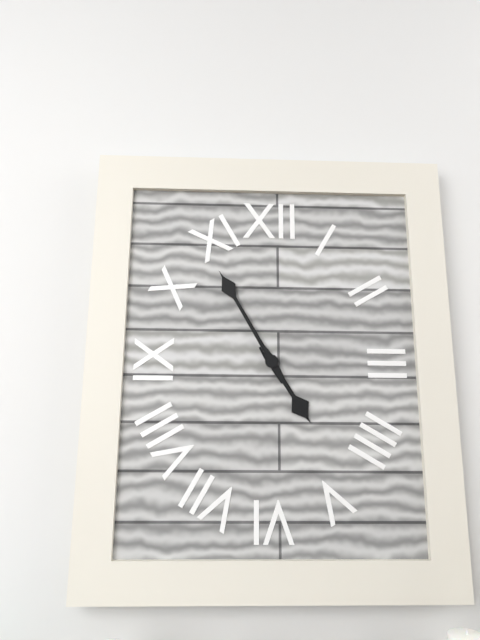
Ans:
4h55
